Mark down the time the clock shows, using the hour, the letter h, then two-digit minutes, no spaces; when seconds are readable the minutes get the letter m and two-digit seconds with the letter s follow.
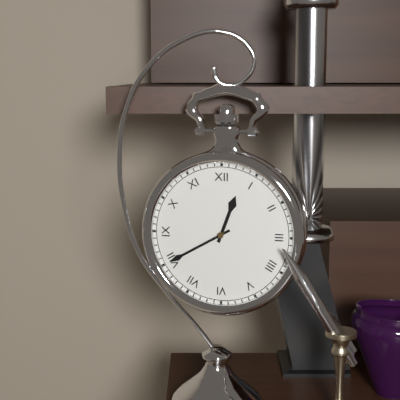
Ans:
12h40
